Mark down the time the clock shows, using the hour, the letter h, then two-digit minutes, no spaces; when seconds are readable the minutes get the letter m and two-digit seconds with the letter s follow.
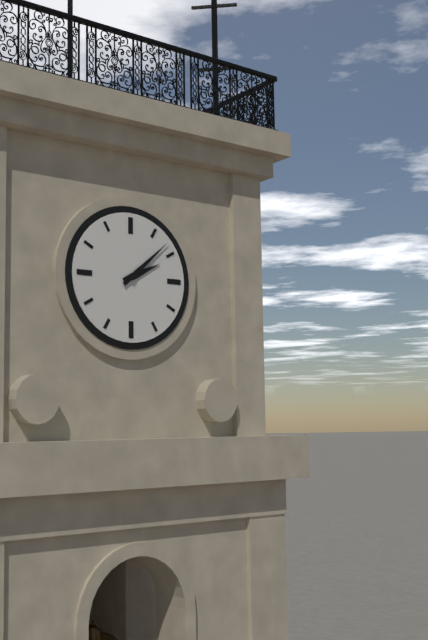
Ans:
2h08
